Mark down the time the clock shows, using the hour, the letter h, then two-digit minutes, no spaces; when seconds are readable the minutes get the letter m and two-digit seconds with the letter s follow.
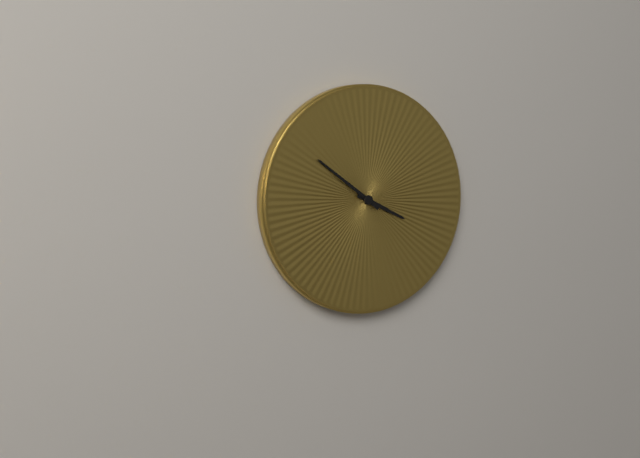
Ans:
3h51
